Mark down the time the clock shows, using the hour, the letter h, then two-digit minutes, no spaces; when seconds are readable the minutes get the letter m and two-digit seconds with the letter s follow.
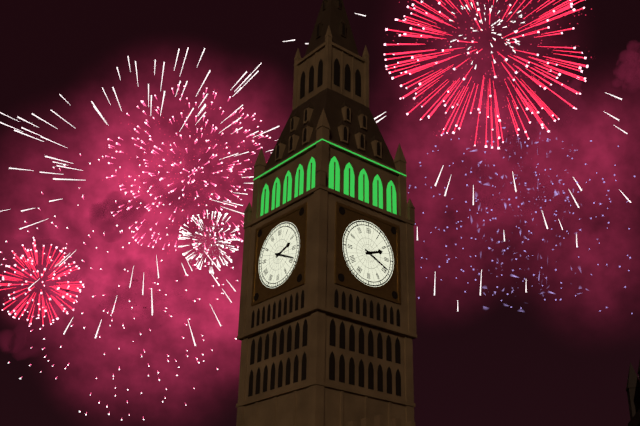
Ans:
2h19
